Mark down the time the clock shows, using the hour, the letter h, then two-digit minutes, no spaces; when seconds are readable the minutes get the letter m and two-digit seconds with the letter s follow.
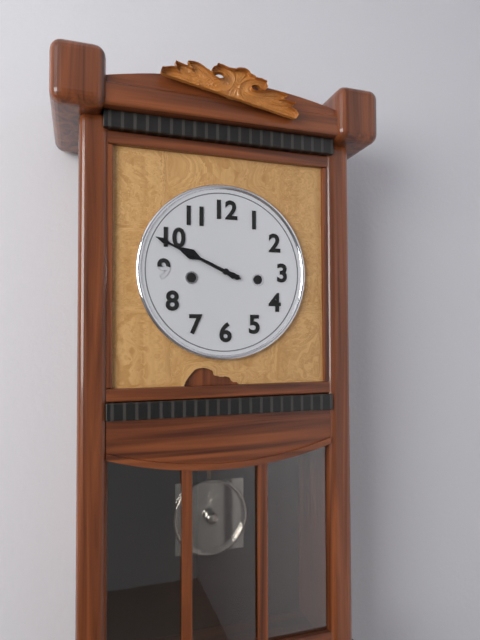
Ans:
9h49
